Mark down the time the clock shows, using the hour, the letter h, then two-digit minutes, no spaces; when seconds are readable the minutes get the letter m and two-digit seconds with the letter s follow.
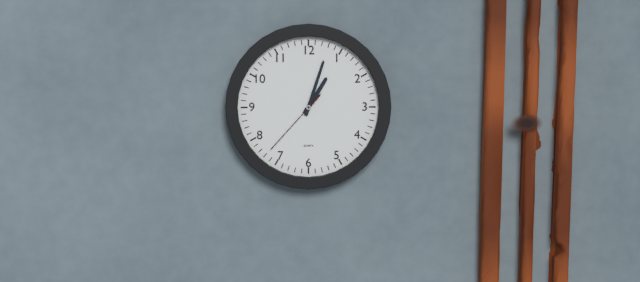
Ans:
1h03m37s
